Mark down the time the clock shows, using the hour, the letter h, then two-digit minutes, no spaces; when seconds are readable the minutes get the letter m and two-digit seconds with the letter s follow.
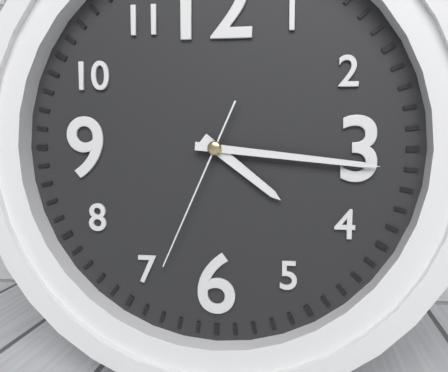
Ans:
4h16m34s
